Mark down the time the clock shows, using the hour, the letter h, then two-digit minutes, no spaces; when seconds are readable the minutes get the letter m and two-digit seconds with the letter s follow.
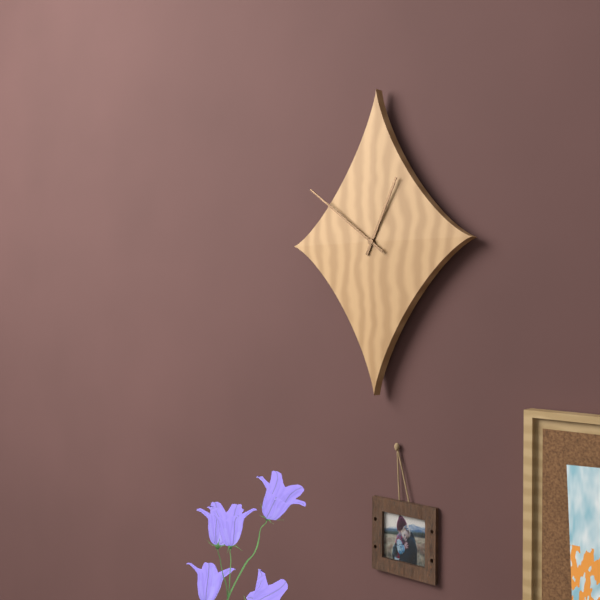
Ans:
12h51
